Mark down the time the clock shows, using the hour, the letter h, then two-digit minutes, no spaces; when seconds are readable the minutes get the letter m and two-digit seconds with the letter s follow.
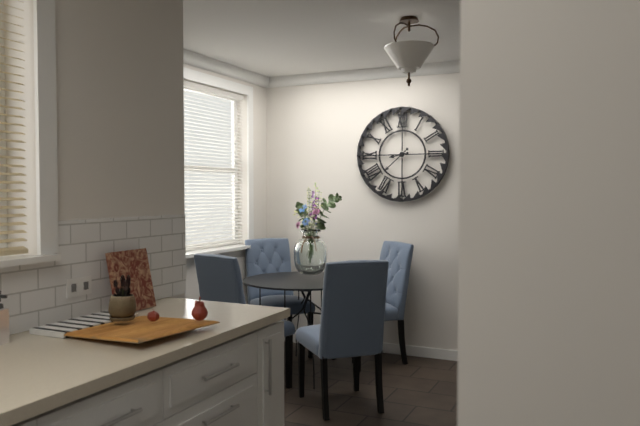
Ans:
8h38
